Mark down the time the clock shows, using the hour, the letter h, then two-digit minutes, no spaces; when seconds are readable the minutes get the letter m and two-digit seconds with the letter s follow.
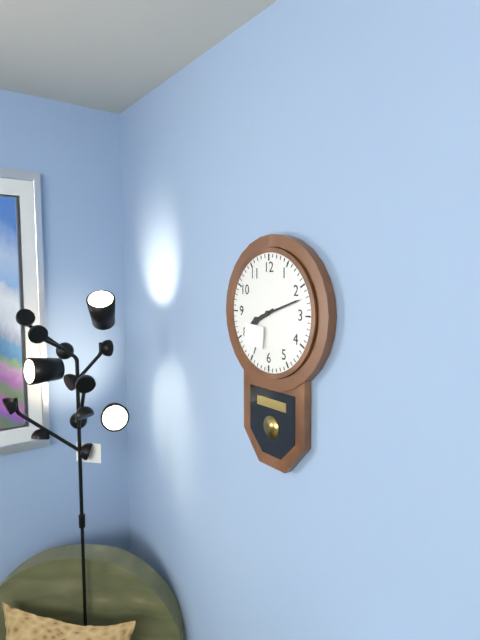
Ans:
8h12
